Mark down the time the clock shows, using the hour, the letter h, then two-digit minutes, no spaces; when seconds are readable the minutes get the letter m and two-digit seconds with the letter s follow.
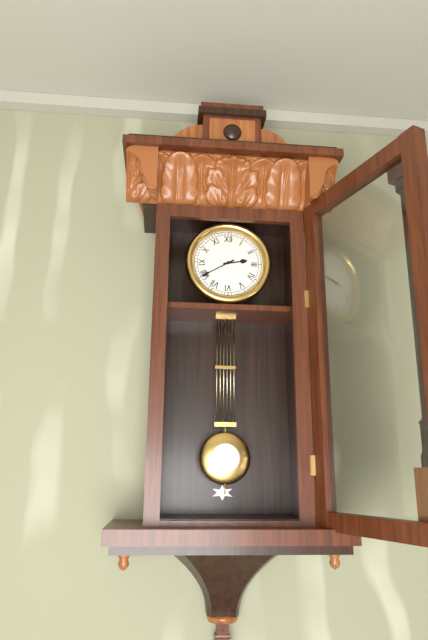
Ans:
2h40
